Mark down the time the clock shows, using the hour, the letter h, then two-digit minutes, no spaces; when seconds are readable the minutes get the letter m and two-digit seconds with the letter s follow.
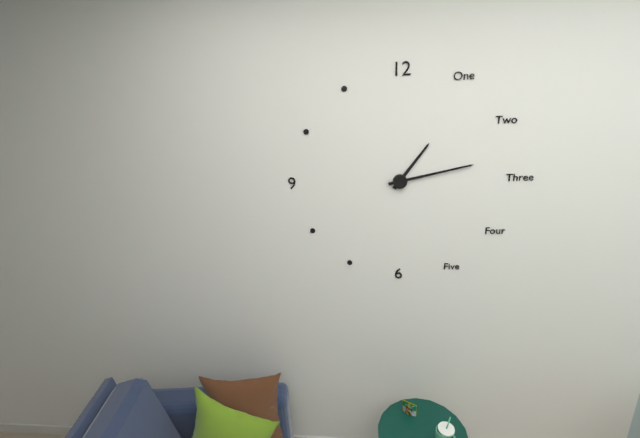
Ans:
1h13
